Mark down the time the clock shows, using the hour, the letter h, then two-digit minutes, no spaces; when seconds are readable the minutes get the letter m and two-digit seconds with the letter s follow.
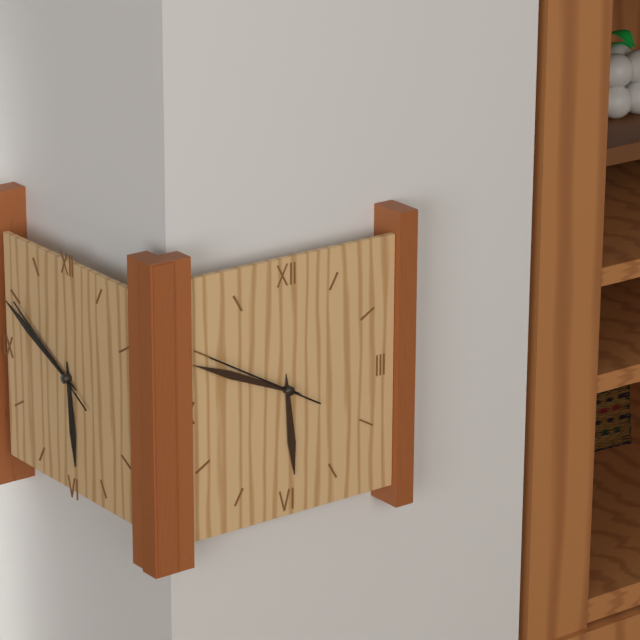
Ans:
5h49m50s
